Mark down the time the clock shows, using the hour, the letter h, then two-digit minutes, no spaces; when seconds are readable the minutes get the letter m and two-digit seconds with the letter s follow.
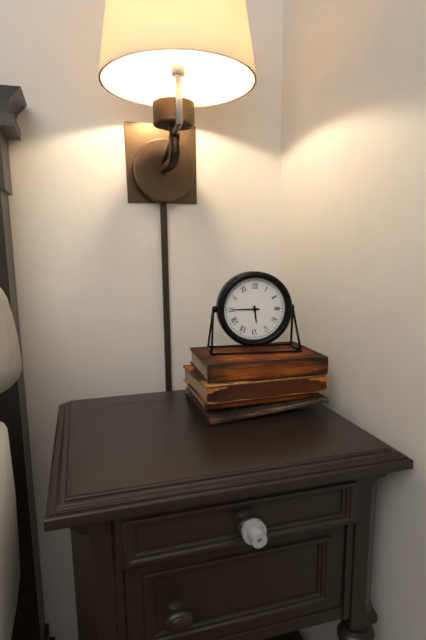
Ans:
5h45
